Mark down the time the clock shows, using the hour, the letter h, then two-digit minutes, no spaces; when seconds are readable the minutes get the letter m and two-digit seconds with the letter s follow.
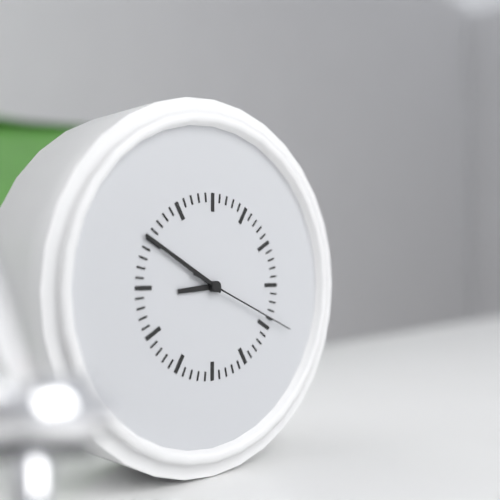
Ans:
8h50m19s
